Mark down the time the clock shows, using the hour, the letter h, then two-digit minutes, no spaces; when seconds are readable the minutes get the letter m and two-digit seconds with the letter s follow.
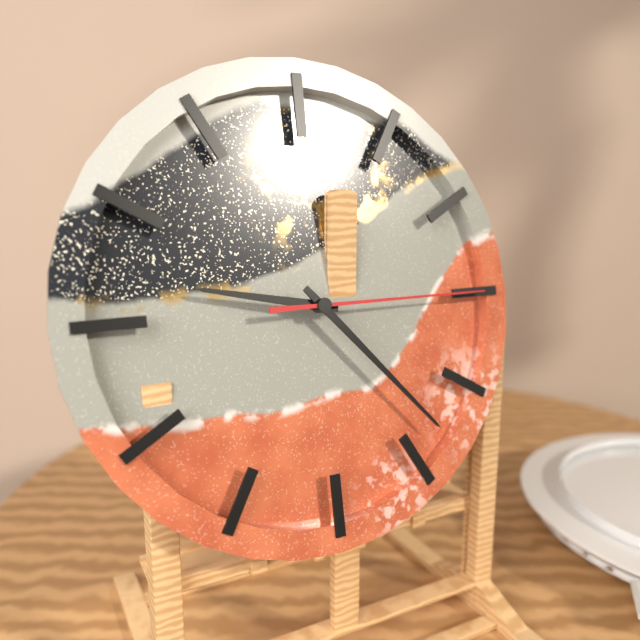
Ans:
9h23m15s
